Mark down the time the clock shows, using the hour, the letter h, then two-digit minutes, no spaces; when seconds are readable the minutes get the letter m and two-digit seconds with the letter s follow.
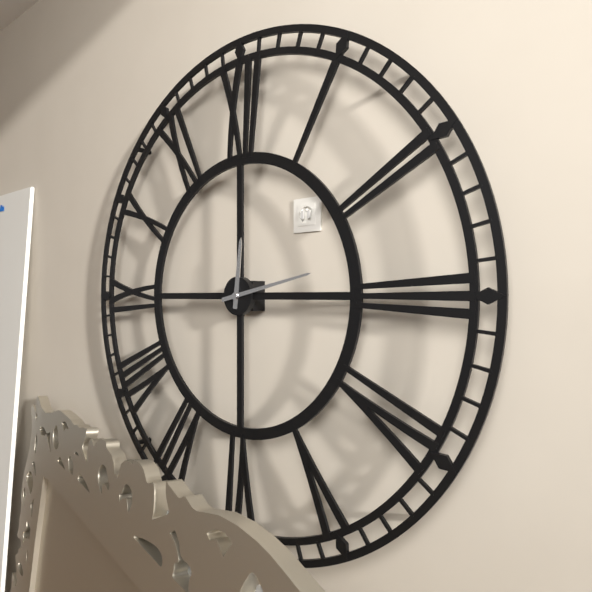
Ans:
12h13
